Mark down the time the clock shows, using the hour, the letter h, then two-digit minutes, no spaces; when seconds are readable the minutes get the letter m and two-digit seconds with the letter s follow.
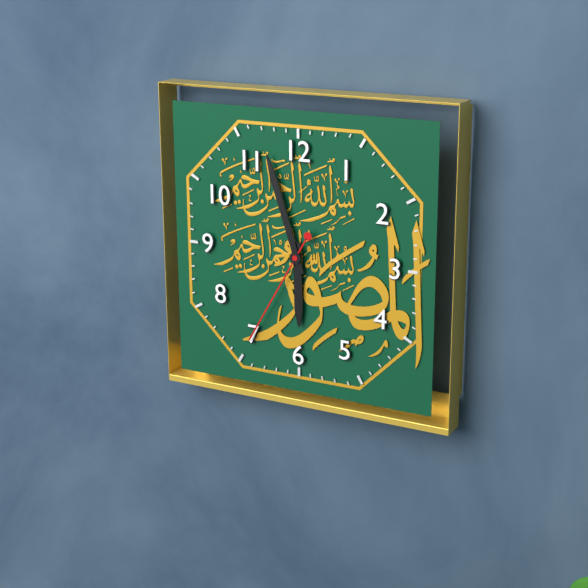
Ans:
5h57m35s
